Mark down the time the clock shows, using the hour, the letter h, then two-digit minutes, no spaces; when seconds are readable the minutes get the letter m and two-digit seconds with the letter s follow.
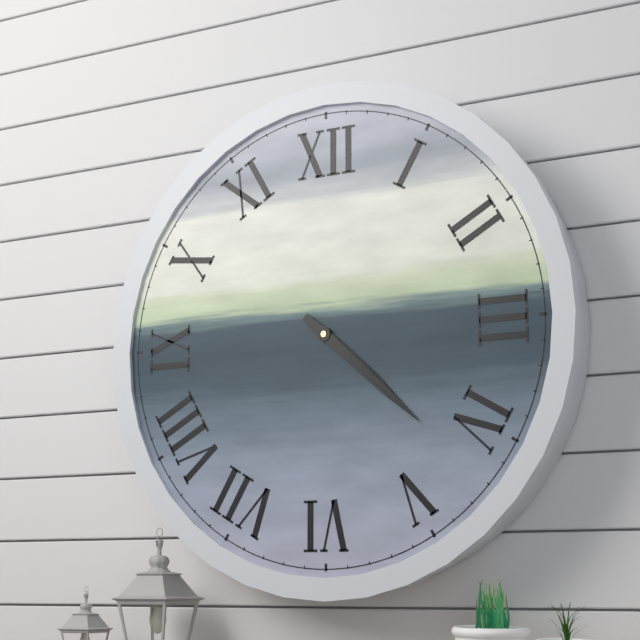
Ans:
4h22
